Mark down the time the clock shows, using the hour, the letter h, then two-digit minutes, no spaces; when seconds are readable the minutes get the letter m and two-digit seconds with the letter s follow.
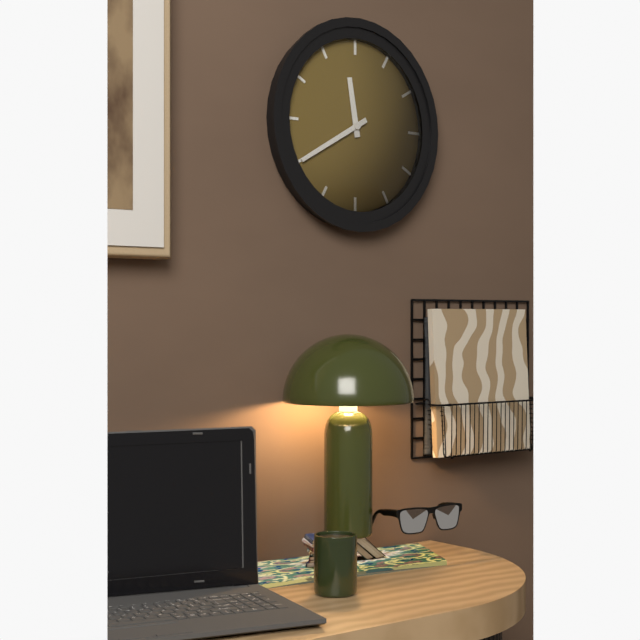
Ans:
11h40
